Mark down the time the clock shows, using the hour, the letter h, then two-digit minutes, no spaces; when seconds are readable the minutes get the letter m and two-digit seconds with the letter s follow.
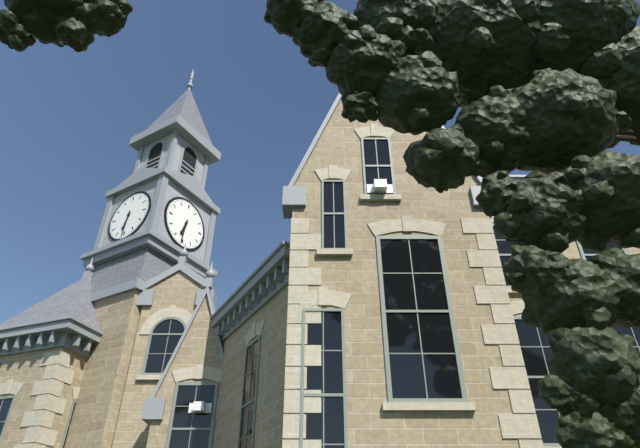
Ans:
6h31
